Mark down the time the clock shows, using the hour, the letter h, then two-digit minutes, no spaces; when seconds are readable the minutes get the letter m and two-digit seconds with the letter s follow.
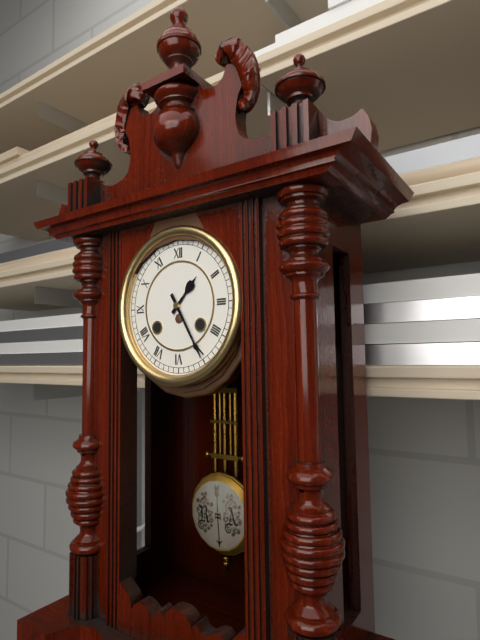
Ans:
1h25
